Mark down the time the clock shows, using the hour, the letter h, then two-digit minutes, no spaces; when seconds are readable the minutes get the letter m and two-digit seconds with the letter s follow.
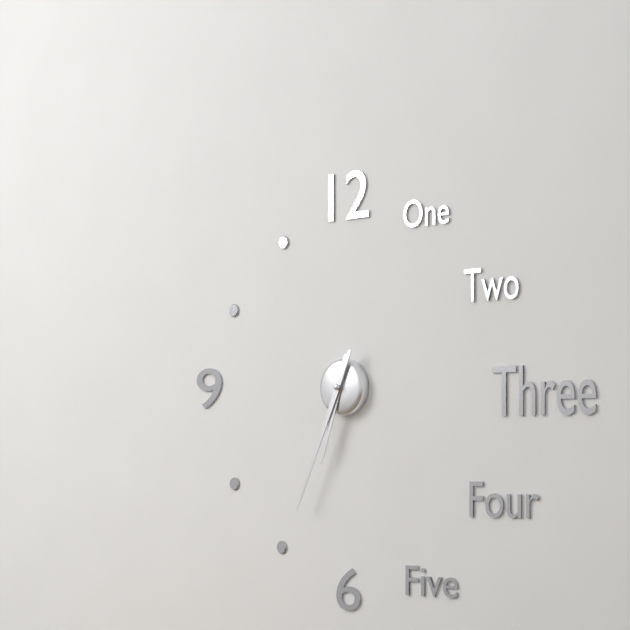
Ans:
6h34
